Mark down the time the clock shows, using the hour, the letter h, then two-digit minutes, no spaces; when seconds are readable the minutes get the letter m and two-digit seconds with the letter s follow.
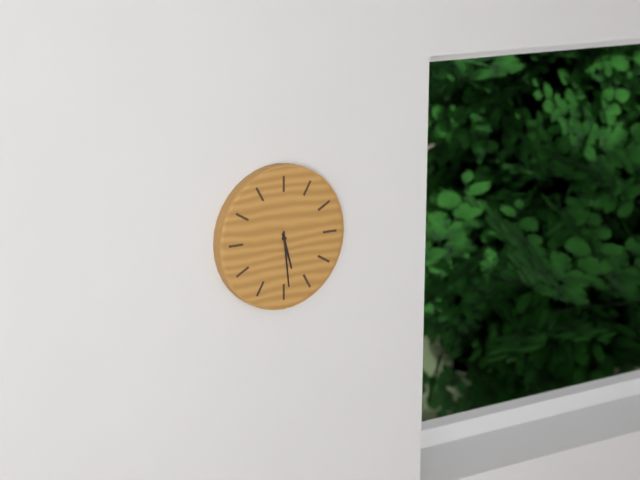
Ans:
5h29
